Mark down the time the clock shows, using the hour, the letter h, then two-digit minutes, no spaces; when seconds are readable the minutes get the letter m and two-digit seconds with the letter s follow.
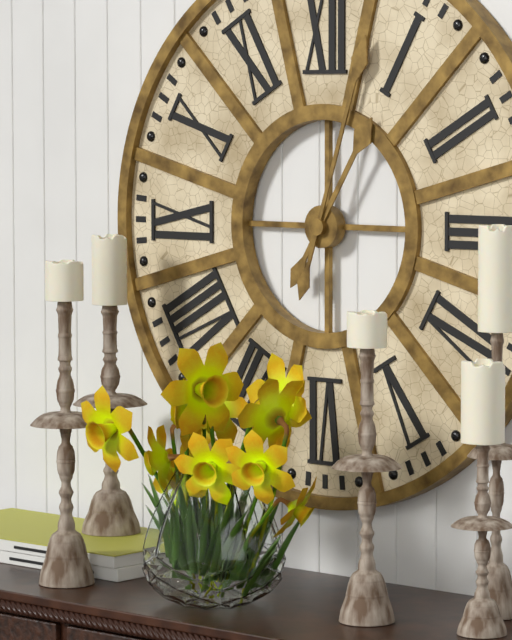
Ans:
1h03
